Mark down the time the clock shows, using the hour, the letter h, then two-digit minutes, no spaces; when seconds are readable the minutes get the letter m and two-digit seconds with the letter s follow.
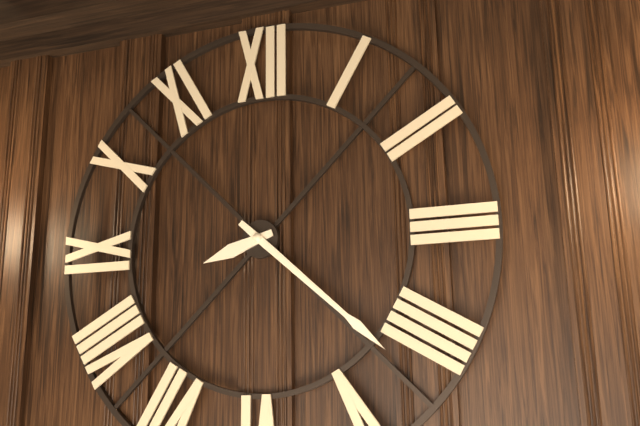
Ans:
8h22
